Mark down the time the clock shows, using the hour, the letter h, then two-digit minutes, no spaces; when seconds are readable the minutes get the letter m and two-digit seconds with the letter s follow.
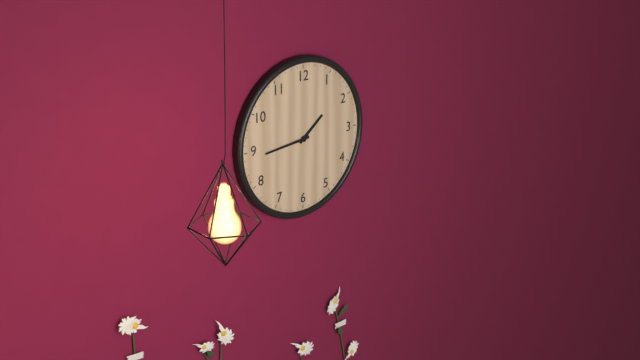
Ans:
1h44
